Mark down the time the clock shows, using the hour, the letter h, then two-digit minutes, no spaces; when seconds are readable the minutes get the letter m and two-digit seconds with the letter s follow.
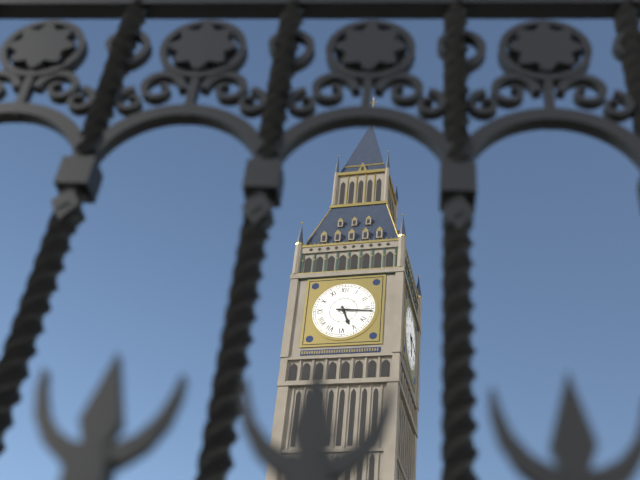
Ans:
5h16
